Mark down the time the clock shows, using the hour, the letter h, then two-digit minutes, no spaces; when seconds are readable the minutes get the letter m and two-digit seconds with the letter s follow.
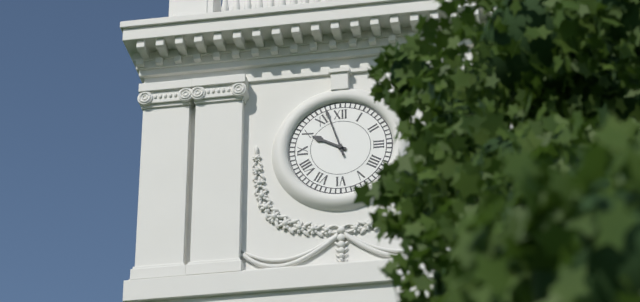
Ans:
9h57
